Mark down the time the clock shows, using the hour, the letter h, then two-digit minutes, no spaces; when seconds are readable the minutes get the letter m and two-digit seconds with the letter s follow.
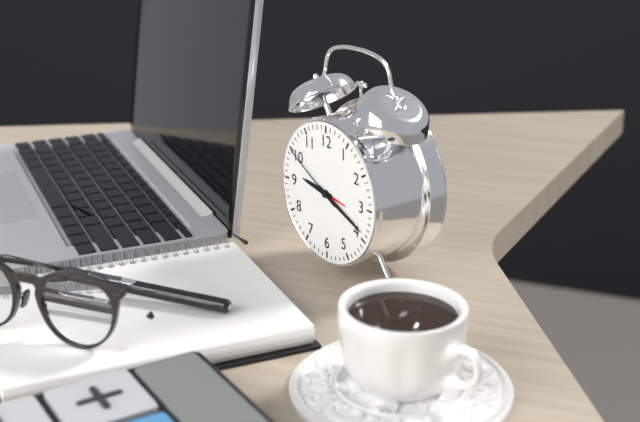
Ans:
9h19m50s
